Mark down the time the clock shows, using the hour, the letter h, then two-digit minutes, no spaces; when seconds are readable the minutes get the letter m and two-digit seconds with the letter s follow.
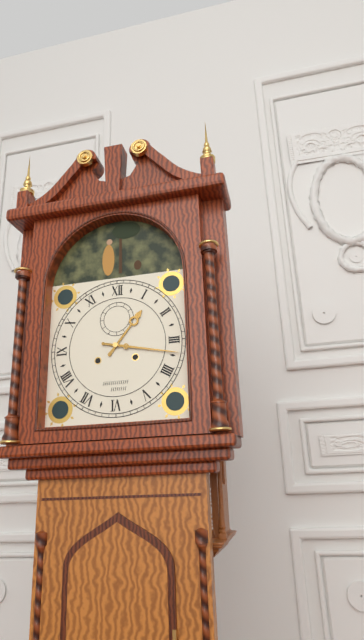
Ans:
1h17
